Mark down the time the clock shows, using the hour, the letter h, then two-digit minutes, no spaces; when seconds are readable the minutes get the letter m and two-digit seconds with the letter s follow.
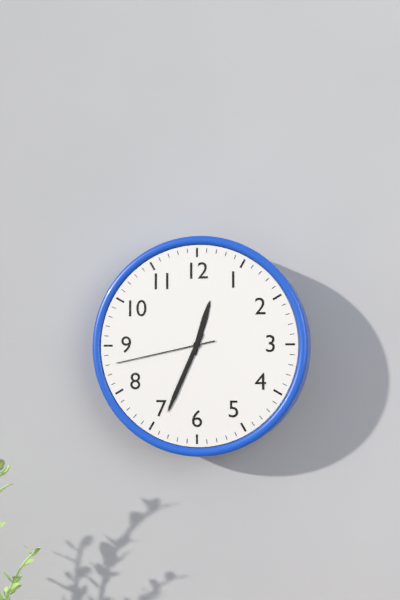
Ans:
12h34m43s
